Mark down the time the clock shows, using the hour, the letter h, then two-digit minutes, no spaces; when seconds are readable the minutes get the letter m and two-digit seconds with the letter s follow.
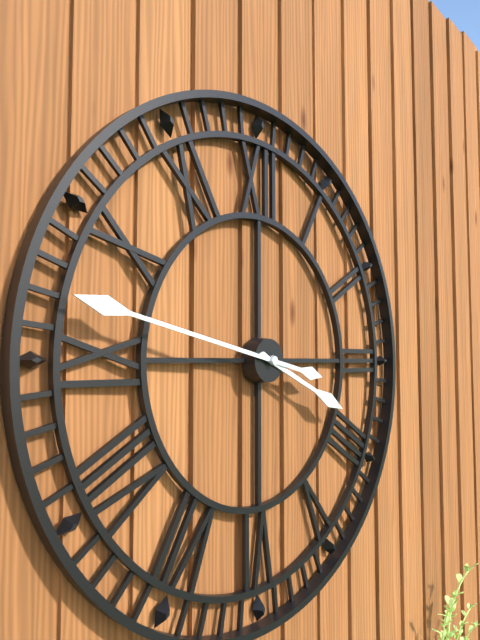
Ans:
3h47
